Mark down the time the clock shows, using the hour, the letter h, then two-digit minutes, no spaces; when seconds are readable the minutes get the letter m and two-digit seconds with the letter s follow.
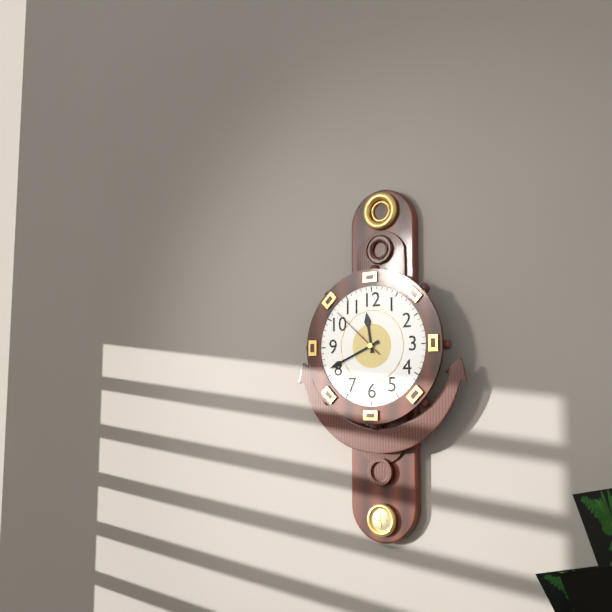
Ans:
11h41m52s
